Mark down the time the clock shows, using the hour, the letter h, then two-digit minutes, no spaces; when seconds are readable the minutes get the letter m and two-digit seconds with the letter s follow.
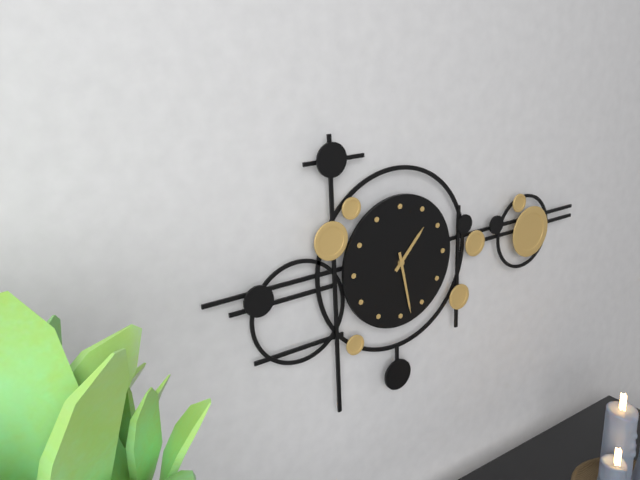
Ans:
1h28
